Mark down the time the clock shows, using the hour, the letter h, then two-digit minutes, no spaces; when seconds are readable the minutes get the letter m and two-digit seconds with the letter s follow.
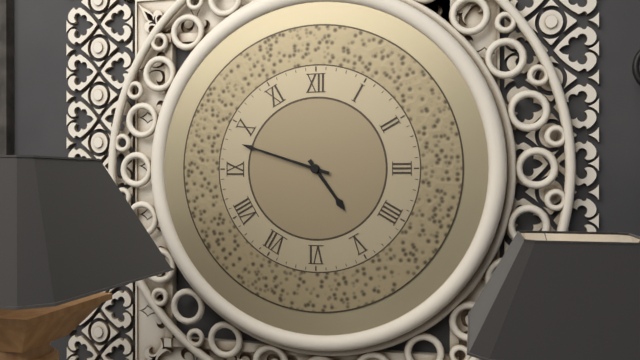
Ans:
4h48
